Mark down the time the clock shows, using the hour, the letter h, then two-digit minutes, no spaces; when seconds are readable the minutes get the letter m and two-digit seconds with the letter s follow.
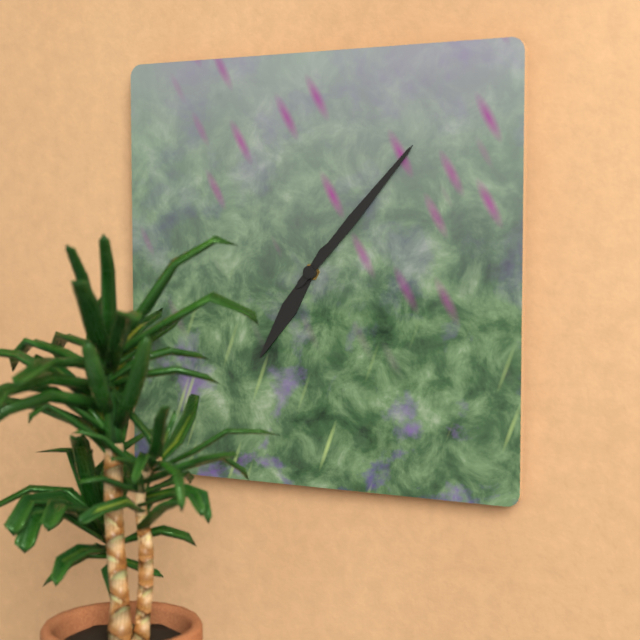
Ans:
7h07
